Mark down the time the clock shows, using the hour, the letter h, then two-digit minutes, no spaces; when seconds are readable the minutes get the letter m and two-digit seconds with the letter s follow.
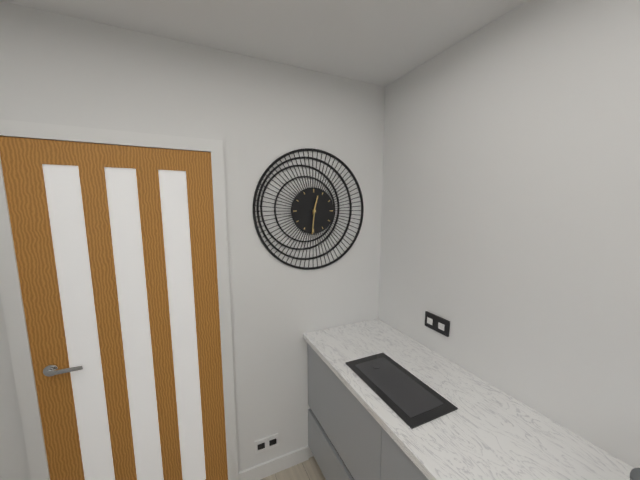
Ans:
12h31
